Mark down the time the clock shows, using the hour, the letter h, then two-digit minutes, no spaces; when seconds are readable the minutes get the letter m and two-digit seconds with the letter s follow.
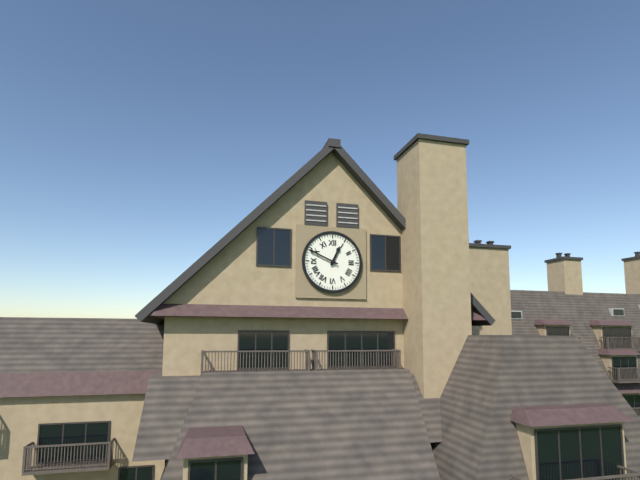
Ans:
12h49
